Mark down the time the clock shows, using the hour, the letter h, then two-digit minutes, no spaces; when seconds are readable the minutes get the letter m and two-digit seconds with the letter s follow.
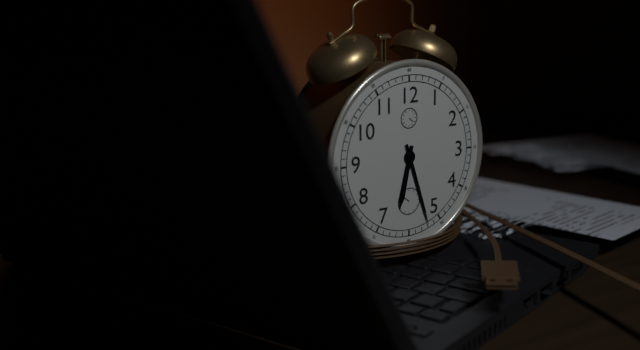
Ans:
6h27
